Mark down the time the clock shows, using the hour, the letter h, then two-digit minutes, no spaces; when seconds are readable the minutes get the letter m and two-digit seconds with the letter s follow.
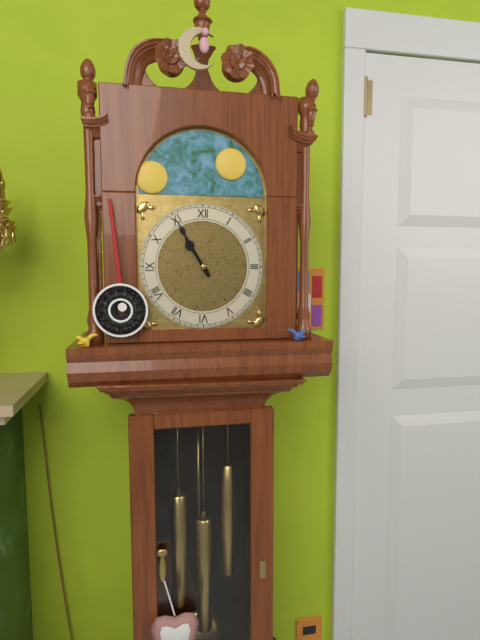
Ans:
10h55
